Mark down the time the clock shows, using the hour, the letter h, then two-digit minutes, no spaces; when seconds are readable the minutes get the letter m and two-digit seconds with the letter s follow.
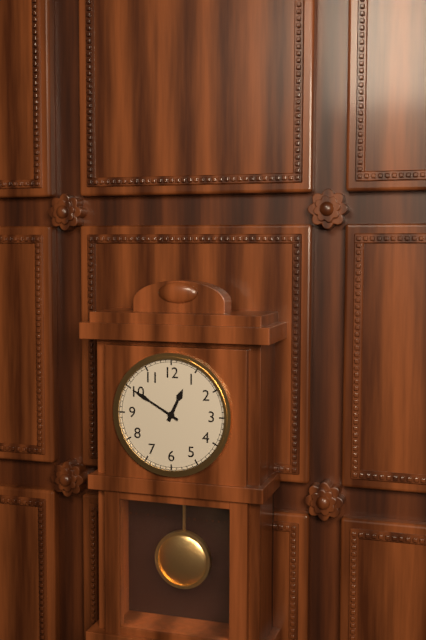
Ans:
12h50
